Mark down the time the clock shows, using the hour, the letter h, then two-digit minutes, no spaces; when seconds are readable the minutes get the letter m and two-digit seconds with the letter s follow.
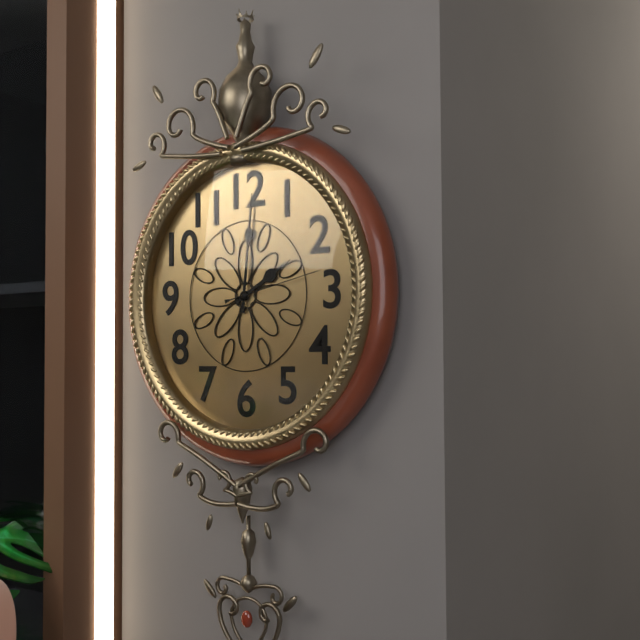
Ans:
2h01m13s
